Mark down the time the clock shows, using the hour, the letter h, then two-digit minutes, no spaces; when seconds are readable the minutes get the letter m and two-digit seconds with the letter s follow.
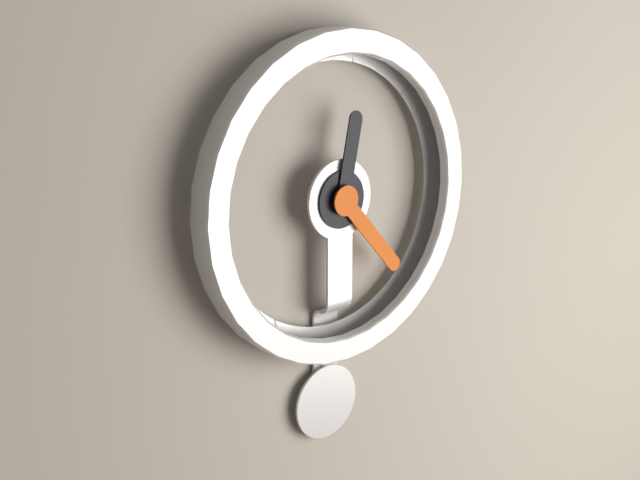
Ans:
12h23
